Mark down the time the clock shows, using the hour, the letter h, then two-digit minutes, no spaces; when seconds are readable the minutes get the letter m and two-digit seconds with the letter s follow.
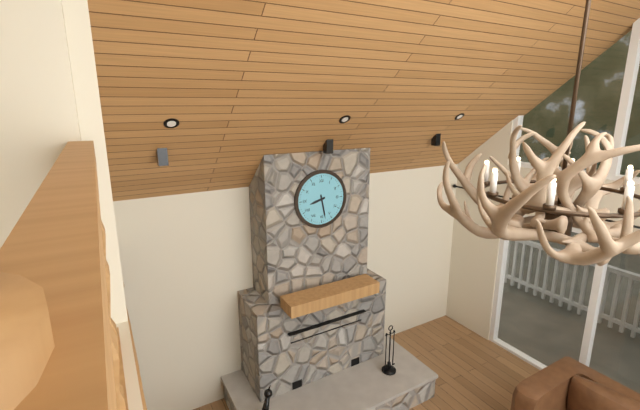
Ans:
8h28
